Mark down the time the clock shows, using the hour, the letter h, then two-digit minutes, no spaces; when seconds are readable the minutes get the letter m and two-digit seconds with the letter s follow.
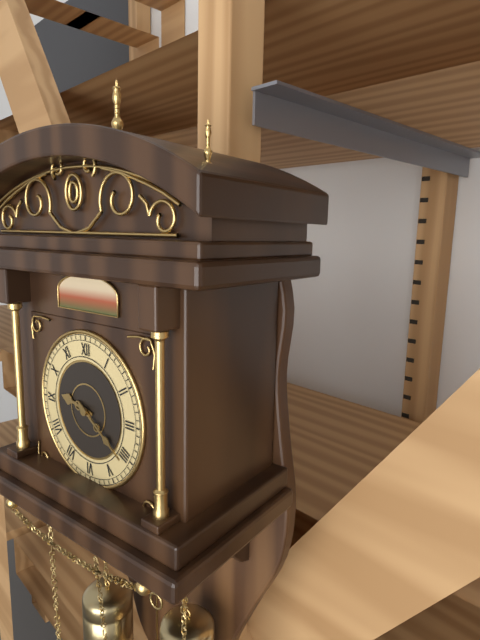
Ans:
9h21
